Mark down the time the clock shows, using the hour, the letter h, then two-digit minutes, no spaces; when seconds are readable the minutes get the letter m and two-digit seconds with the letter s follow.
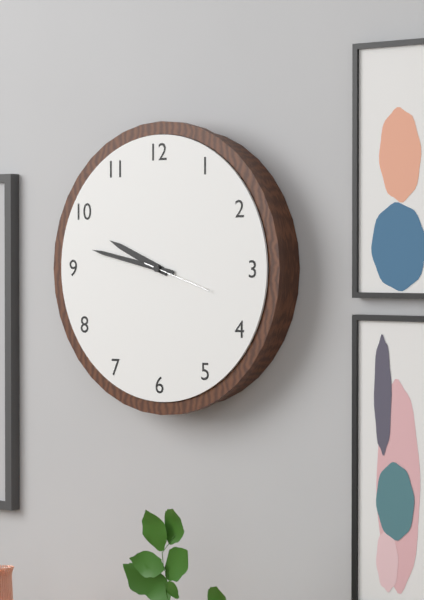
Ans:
9h47m18s
